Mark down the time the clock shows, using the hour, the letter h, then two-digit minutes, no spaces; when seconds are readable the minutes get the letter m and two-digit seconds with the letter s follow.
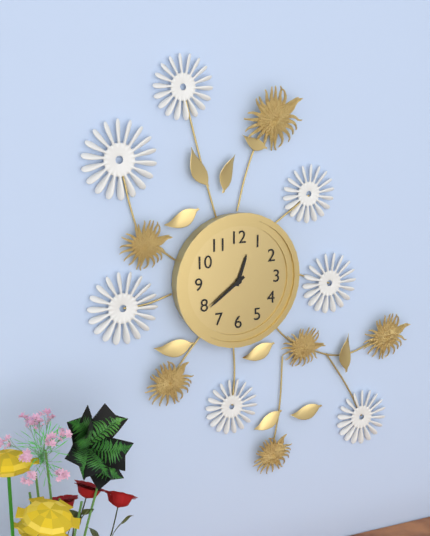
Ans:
12h39
